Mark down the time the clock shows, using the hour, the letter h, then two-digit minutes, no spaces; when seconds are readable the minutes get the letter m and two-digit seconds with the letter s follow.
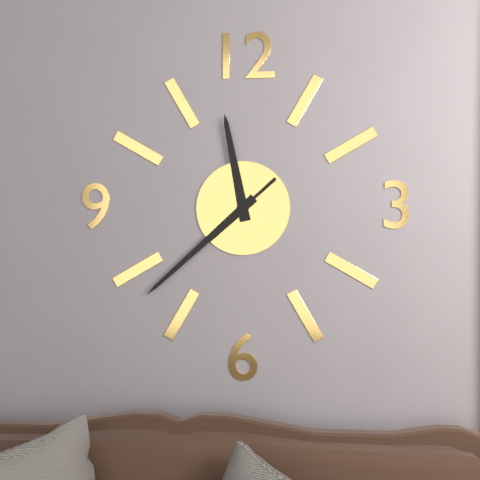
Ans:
11h38m38s
